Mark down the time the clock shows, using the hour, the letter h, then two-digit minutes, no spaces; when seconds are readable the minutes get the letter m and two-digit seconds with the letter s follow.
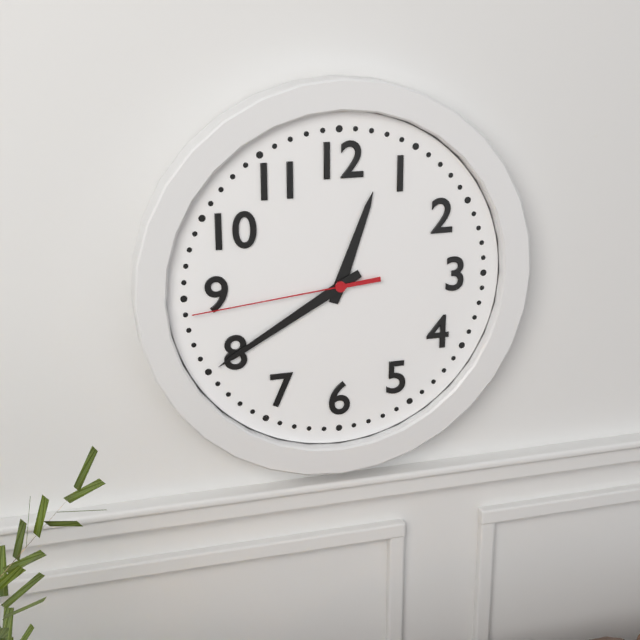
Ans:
12h40m44s
